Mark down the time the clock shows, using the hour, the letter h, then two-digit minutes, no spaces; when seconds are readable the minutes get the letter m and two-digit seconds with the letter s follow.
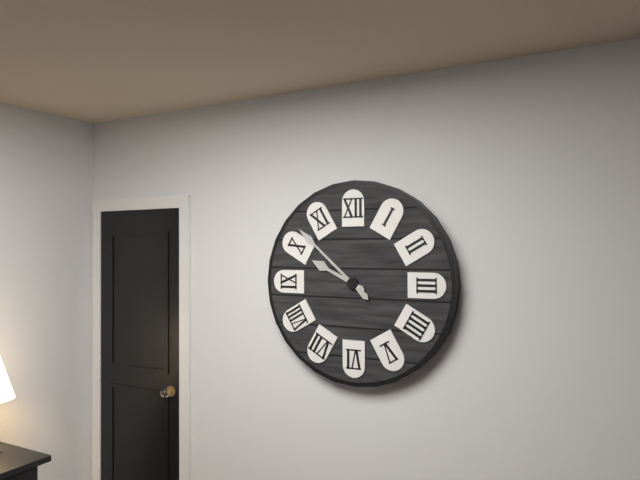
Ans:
9h52
